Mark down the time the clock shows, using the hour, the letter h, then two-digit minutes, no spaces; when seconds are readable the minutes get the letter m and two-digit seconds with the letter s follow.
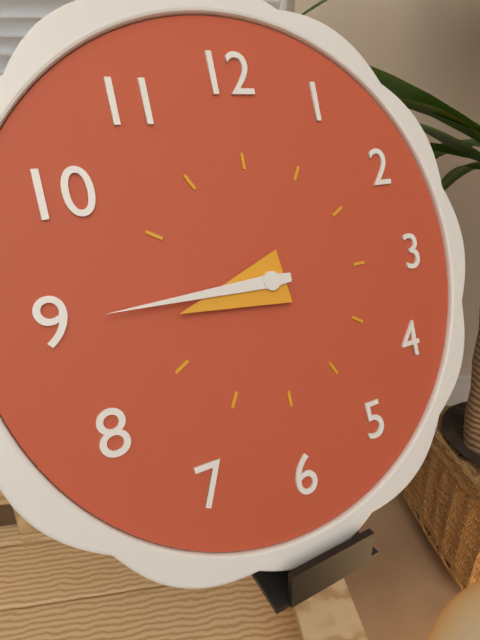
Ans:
8h45
